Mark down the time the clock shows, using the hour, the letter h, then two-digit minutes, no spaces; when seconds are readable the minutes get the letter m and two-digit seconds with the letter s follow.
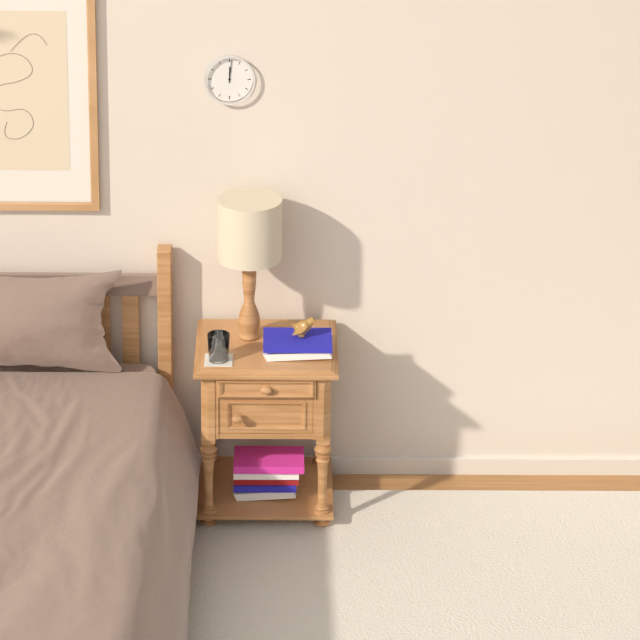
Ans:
12h01
